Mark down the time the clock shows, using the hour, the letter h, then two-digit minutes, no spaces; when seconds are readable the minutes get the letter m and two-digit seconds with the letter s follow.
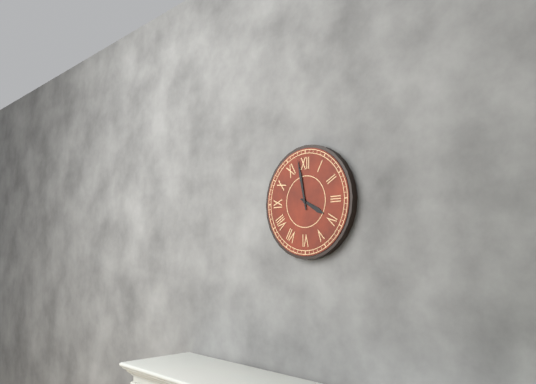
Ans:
3h58
